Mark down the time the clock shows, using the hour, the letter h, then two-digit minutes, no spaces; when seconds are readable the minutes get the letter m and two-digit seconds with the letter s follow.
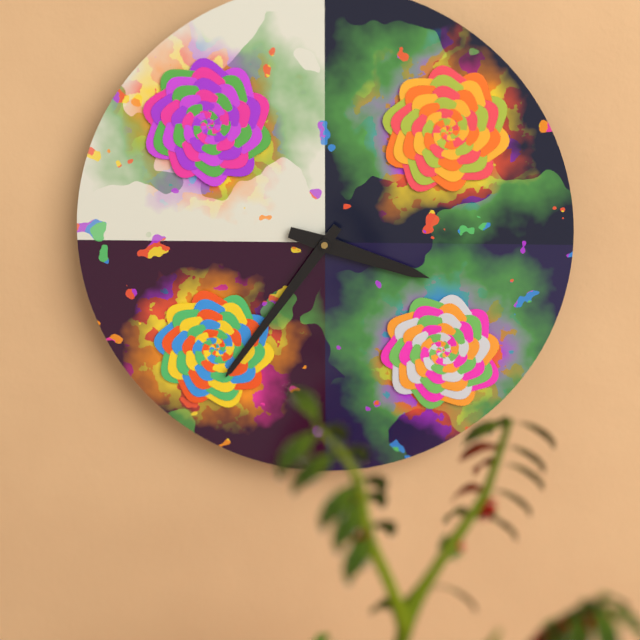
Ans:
3h36
